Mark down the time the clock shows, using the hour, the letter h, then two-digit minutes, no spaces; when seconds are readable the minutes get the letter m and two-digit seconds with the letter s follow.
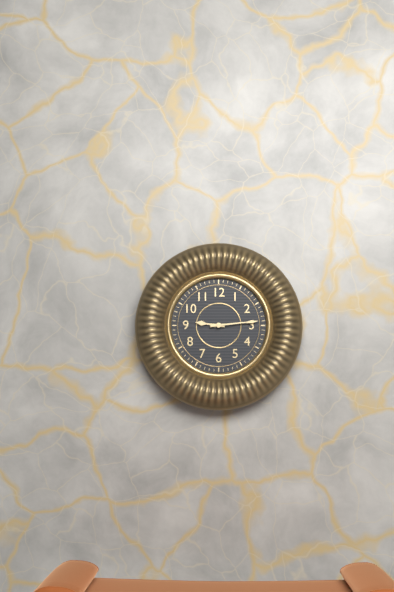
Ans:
9h14
